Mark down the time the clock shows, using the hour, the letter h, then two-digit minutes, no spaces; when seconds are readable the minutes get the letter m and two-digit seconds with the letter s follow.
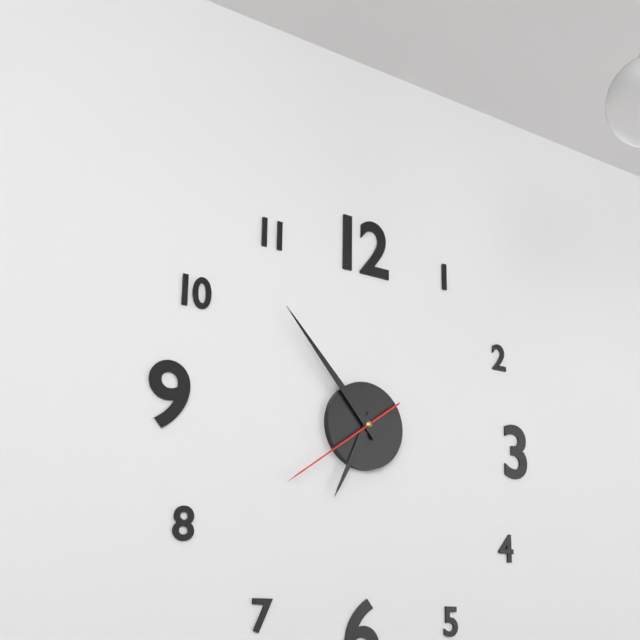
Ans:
6h53m39s
